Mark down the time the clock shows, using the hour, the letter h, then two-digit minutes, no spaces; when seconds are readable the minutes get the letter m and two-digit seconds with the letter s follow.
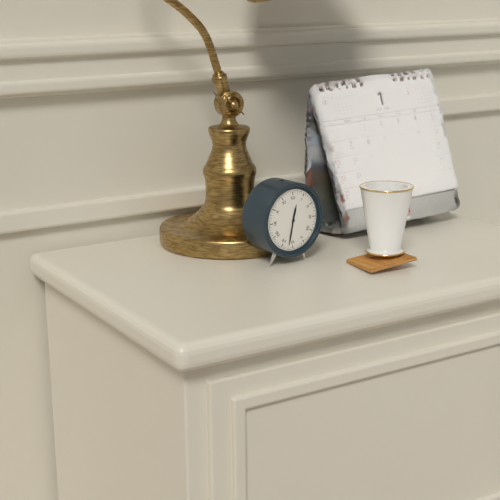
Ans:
12h32
